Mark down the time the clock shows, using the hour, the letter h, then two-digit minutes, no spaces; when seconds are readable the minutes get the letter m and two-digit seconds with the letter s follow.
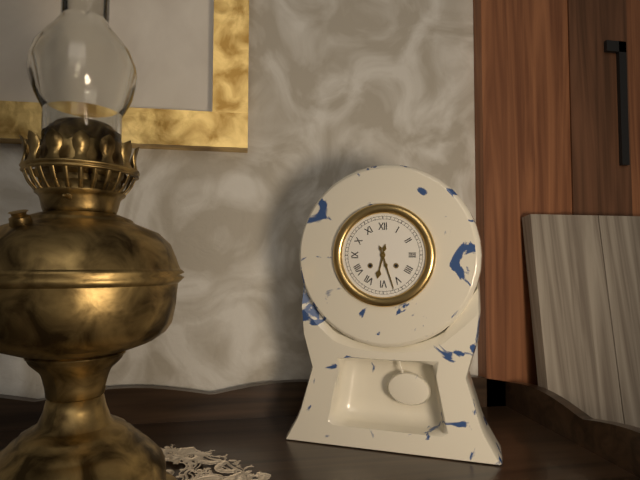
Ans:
6h27
